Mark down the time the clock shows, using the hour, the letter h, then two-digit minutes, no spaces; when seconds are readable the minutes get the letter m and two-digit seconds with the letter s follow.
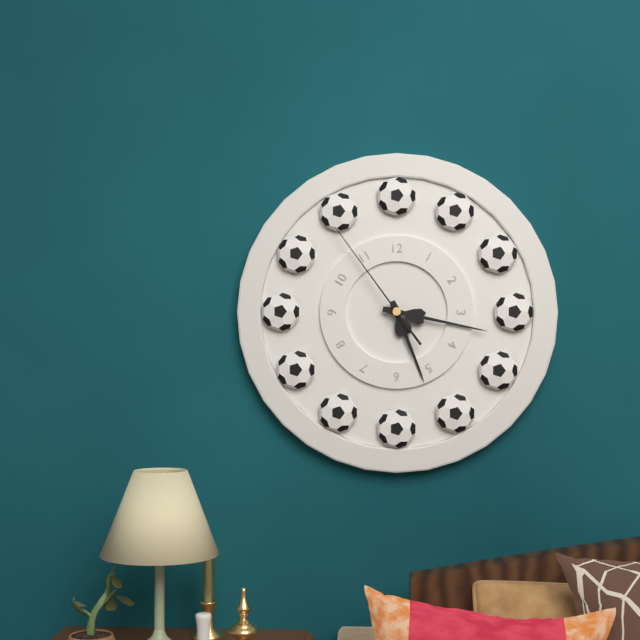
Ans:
5h17m54s
